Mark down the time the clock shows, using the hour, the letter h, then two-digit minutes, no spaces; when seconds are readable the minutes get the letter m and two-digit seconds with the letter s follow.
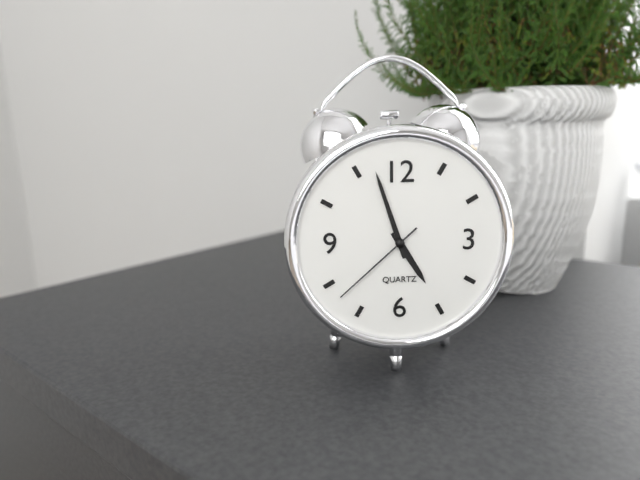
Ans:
4h57m38s
